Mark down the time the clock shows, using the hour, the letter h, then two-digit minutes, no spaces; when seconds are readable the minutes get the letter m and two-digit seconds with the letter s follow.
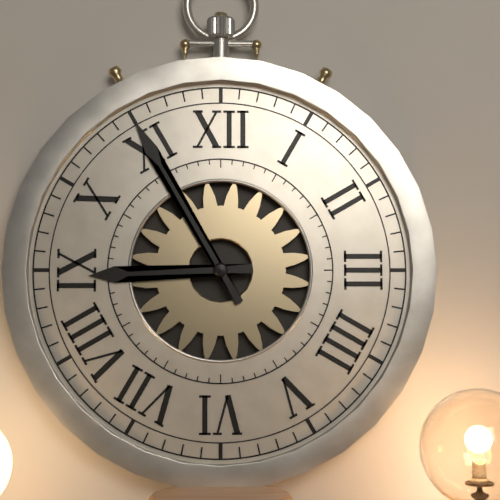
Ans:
8h55
